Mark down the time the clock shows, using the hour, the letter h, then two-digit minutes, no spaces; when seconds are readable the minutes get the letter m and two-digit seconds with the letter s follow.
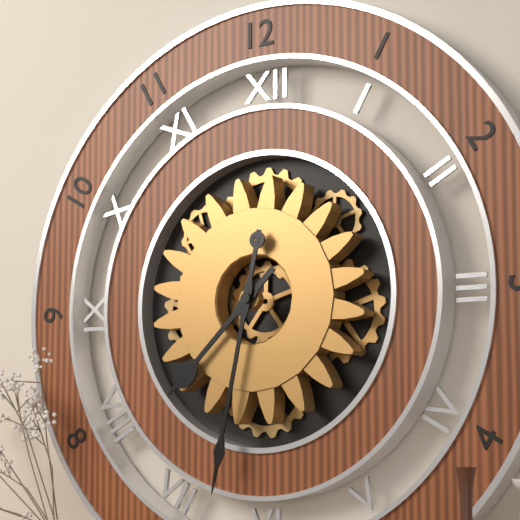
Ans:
7h32
